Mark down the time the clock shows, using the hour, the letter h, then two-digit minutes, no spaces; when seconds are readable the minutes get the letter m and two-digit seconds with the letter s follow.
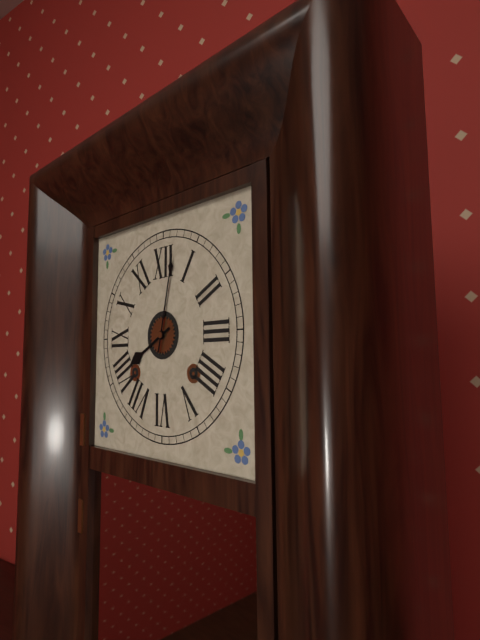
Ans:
8h02
